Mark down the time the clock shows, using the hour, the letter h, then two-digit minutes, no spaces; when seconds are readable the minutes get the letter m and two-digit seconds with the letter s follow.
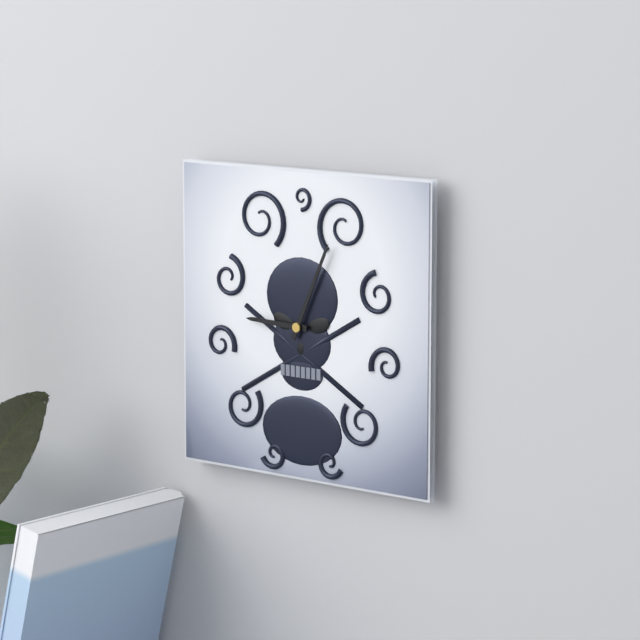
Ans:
9h04
